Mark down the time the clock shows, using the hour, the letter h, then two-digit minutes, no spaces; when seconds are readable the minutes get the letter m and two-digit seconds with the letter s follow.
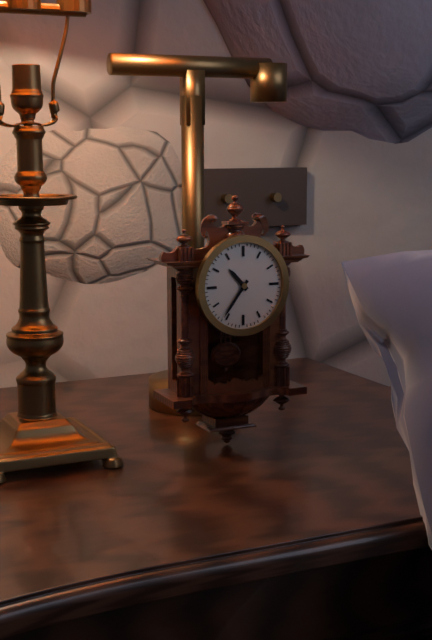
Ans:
10h36
